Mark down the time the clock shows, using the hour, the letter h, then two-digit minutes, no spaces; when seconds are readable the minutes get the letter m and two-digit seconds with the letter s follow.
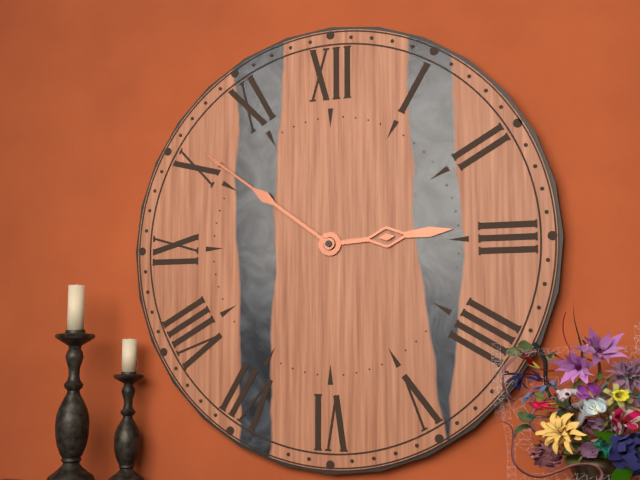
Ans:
2h51
